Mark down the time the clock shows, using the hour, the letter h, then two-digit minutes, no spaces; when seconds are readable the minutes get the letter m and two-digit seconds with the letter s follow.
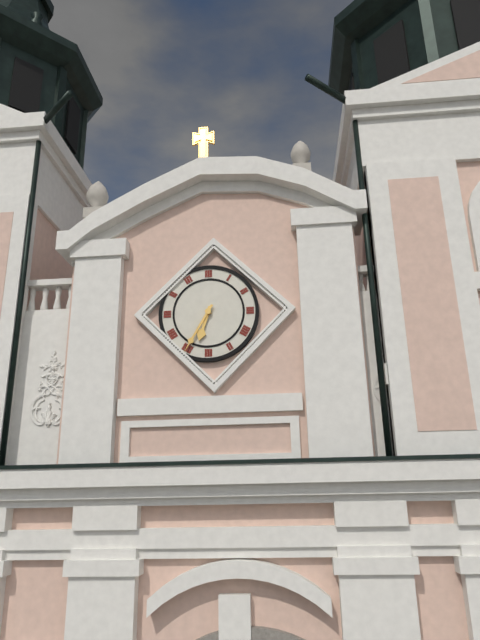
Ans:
6h35
